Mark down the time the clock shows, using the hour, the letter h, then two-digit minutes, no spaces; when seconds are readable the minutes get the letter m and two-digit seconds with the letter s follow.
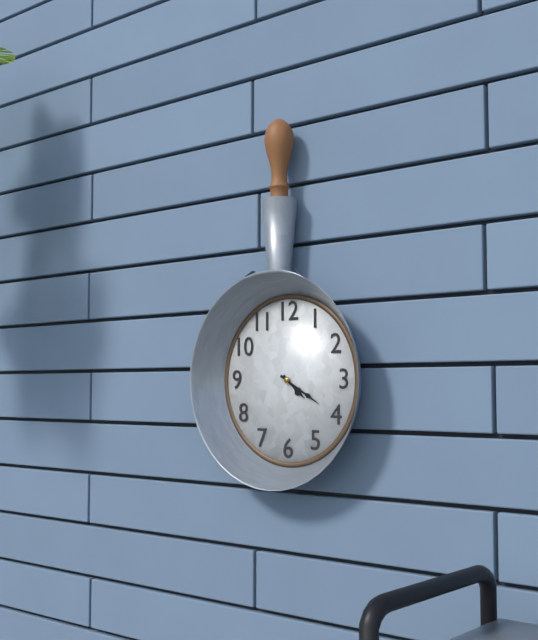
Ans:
4h20
